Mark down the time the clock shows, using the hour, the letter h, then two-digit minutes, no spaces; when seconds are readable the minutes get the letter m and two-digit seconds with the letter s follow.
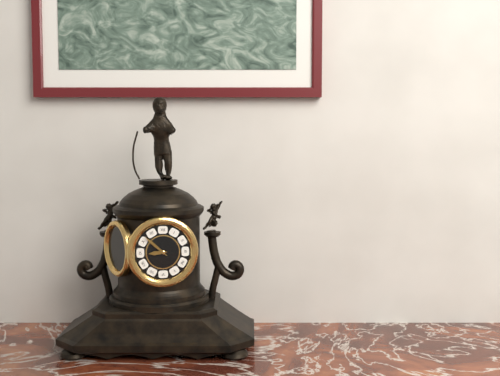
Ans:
8h52
